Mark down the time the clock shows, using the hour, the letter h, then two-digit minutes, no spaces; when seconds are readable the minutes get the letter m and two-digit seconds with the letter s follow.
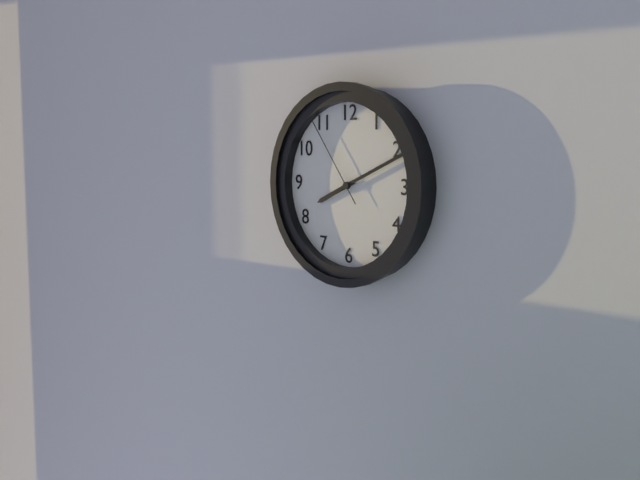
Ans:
8h11m54s
